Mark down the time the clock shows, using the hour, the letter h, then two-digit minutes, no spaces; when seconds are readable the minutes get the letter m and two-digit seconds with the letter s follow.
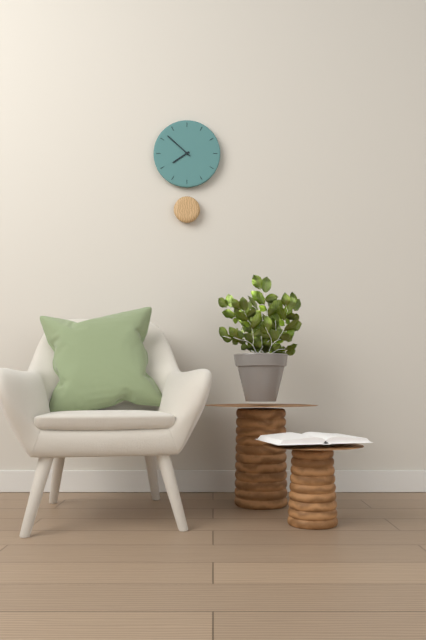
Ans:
7h52
